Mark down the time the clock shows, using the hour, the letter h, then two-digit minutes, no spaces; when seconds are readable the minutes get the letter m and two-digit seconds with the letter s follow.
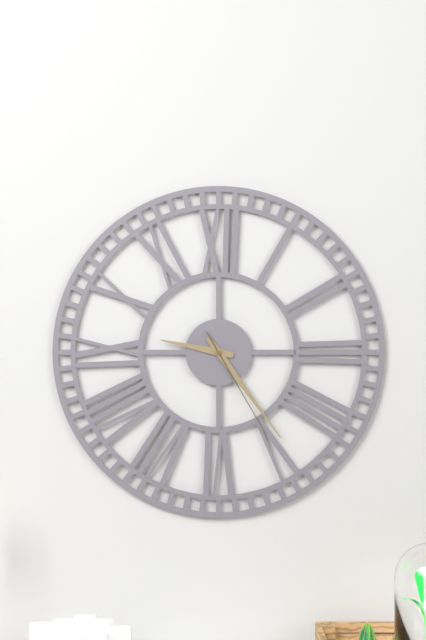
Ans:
9h24m25s
